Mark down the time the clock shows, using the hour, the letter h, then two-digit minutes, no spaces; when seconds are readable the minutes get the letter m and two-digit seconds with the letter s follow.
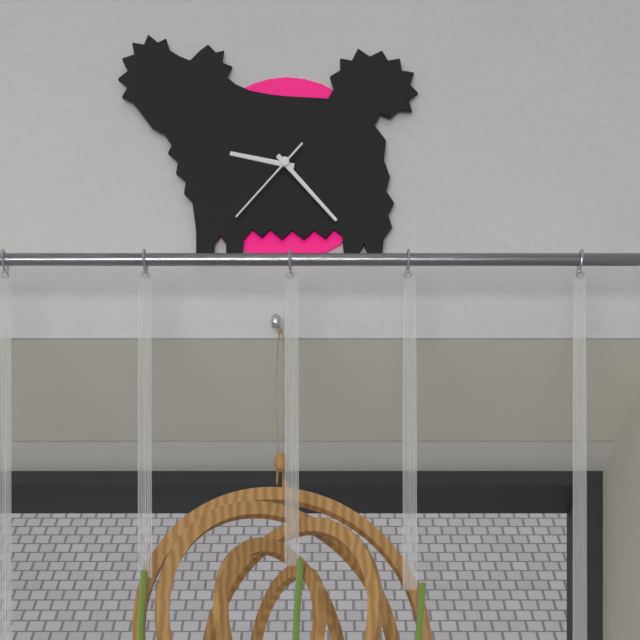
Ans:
9h23m37s
